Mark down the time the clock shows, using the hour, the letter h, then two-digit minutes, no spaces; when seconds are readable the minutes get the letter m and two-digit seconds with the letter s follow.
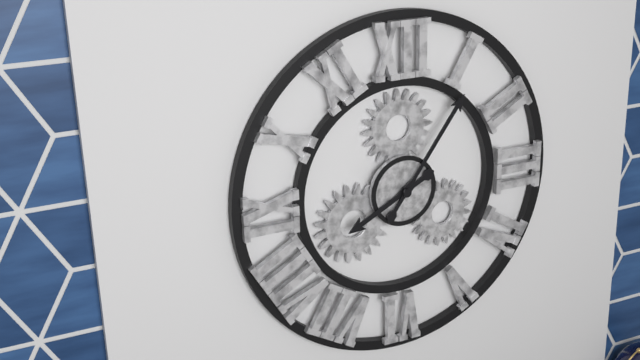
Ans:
8h06
